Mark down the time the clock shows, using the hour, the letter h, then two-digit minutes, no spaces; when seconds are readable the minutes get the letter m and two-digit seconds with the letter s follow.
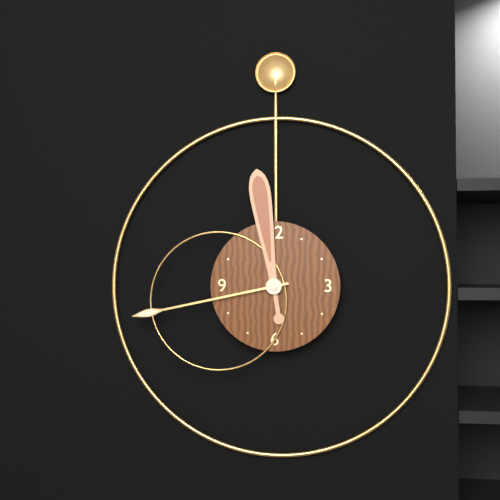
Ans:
11h43
